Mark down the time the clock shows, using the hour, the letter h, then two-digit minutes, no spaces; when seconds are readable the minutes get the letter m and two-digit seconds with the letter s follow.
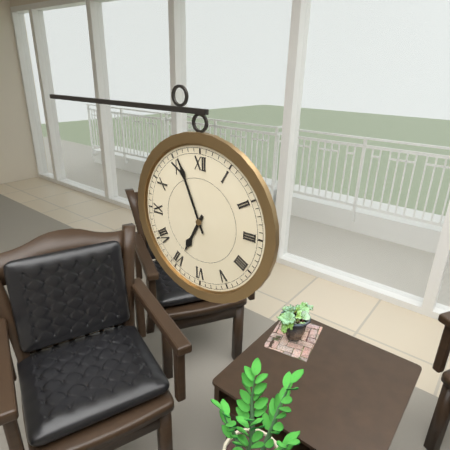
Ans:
6h56
